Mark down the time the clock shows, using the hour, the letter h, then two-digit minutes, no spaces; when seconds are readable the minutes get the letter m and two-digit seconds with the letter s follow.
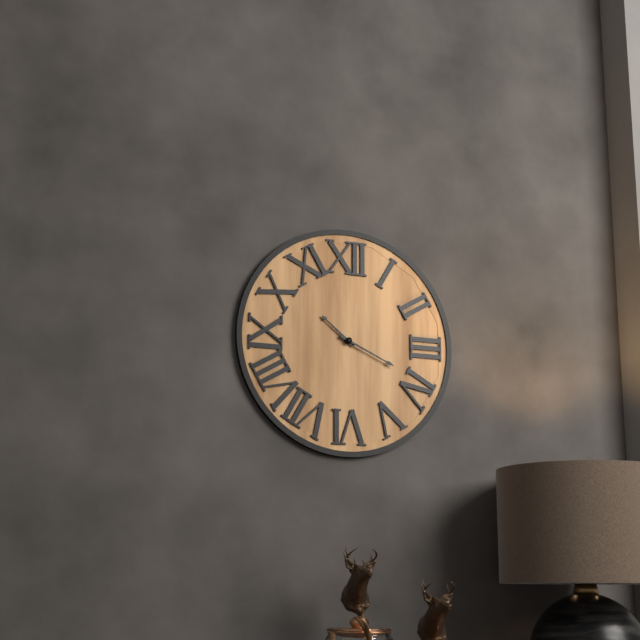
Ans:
10h19
